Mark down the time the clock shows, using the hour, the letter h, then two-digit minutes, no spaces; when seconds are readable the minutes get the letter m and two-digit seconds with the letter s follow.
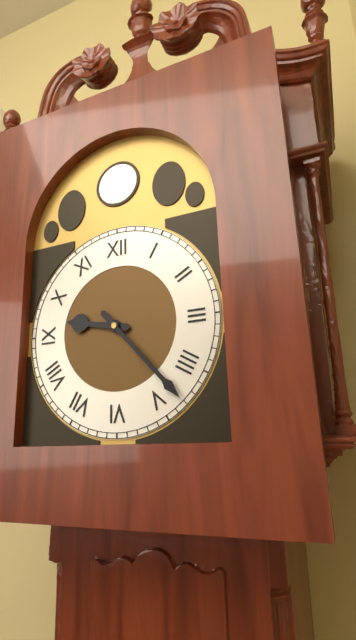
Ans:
9h23
